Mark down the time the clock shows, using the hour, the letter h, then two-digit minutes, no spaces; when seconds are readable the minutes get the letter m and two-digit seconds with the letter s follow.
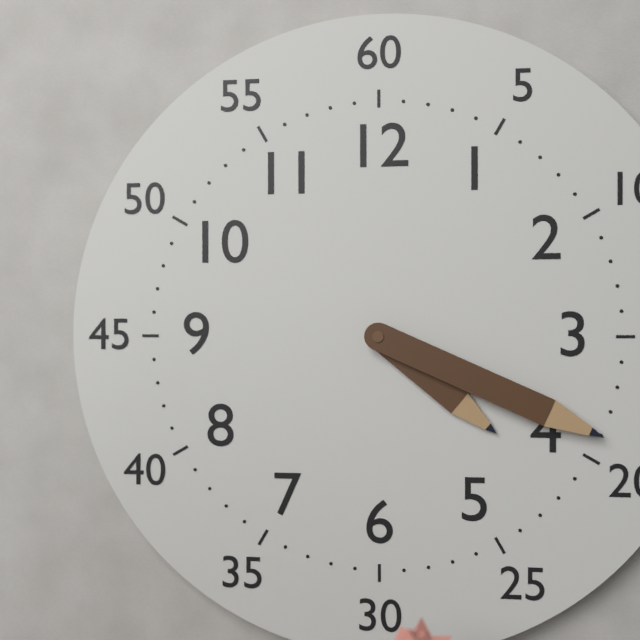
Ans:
4h19
